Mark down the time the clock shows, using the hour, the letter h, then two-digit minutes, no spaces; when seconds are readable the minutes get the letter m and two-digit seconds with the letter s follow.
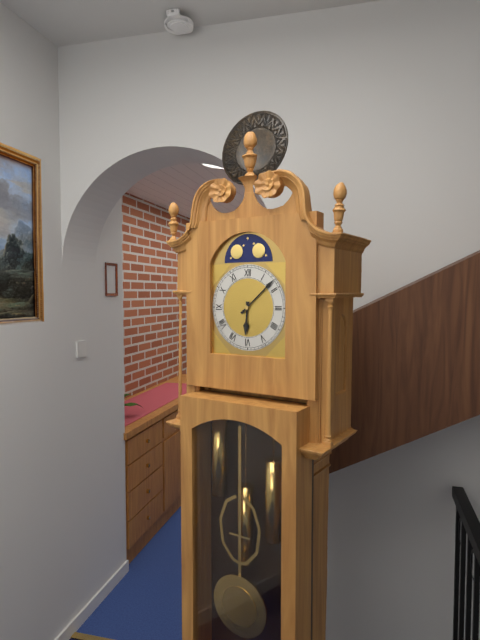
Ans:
6h08
